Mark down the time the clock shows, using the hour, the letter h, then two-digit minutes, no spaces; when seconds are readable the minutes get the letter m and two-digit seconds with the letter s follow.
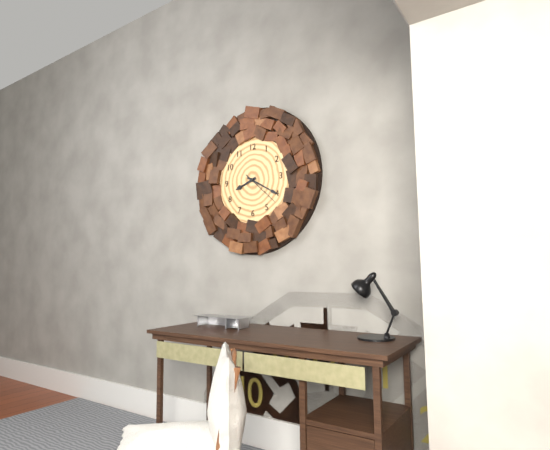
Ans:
8h20
